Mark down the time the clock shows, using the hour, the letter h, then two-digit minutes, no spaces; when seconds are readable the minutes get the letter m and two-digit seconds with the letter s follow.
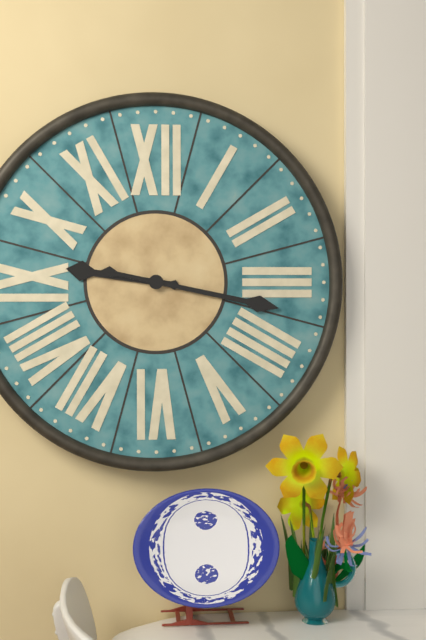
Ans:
9h17
